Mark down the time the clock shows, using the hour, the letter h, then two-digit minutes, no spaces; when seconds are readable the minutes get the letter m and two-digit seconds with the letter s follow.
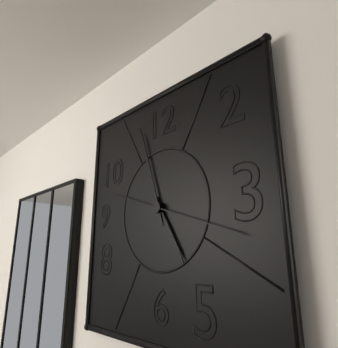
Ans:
4h57m18s
